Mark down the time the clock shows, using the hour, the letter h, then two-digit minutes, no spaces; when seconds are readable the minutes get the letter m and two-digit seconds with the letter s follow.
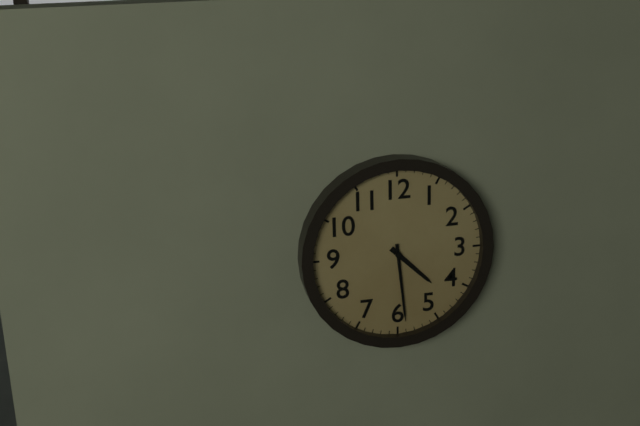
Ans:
4h29
